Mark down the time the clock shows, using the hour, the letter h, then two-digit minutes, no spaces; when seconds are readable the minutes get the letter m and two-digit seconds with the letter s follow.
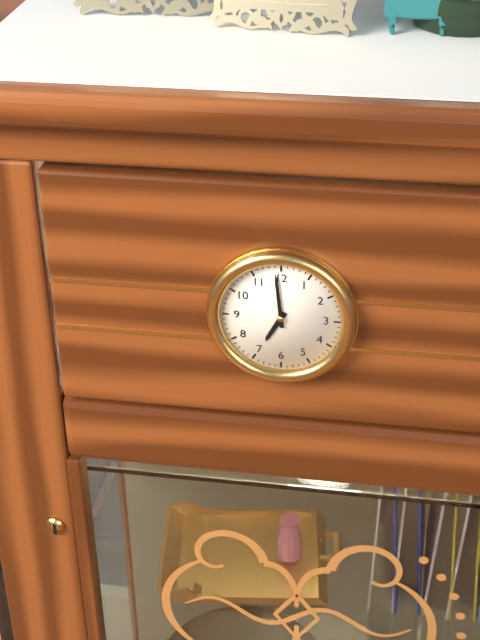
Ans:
6h59
